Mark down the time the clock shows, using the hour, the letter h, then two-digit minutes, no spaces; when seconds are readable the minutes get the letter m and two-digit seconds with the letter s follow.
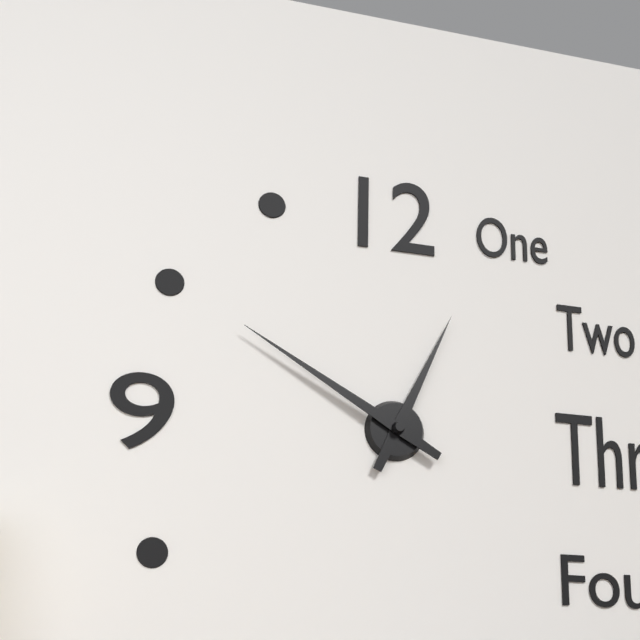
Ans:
12h50
